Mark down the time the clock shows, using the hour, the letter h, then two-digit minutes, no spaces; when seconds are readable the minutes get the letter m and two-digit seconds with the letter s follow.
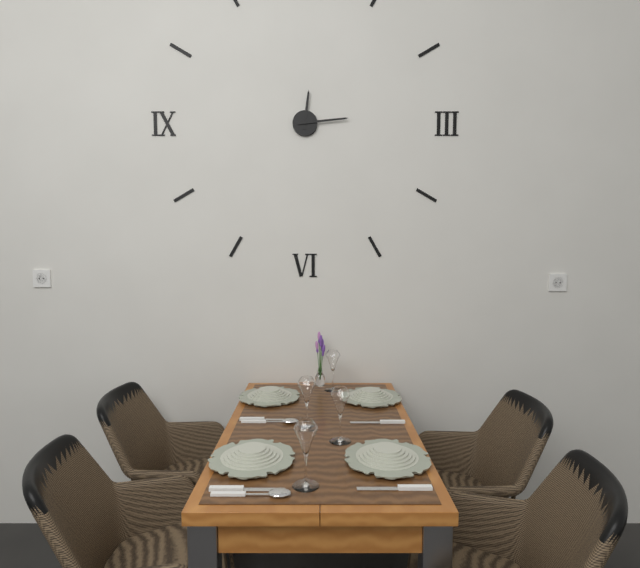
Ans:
12h14
